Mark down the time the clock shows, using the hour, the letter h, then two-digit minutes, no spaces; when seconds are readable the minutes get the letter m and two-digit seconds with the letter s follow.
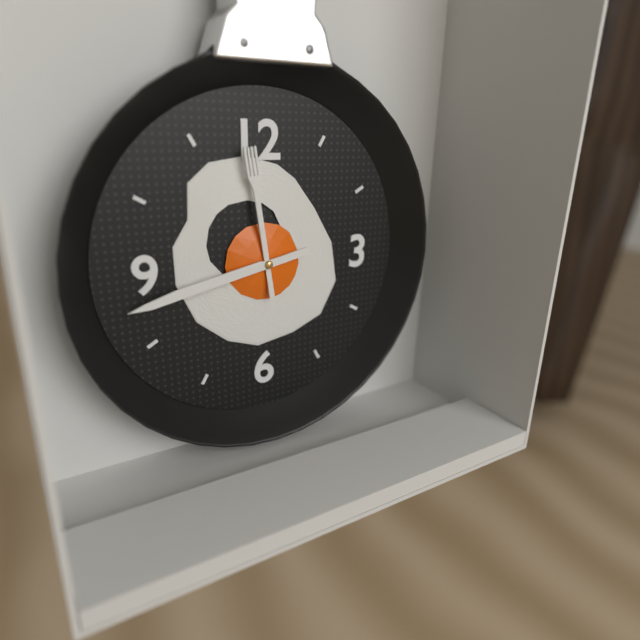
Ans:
11h43
